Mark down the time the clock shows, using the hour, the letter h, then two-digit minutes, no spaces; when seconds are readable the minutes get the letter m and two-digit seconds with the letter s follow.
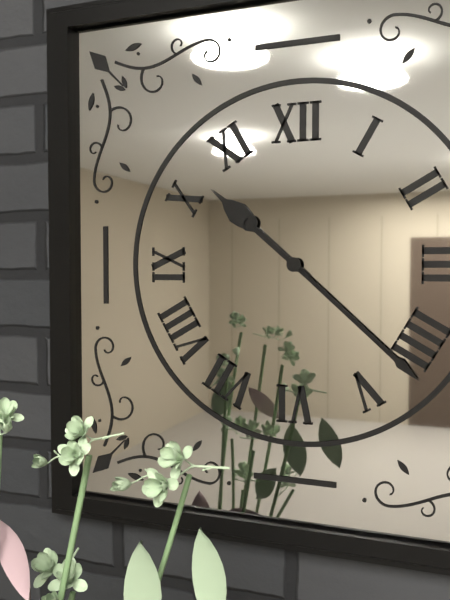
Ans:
10h22
